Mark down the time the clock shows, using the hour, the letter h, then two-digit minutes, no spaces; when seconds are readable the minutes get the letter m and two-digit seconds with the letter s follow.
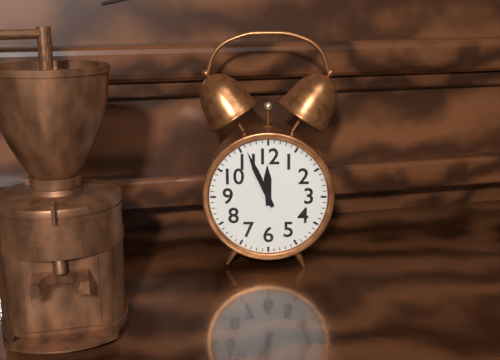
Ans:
11h56
